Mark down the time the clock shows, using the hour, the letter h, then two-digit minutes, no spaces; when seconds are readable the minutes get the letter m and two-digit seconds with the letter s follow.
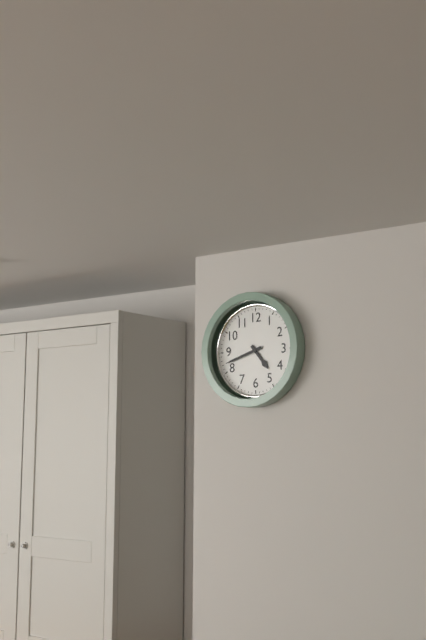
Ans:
4h42
